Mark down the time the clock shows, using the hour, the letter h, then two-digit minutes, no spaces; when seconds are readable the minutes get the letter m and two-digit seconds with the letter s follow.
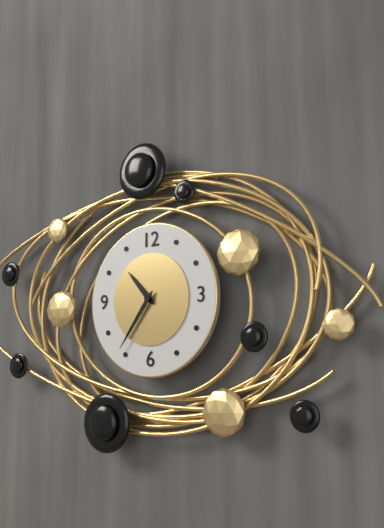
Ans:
10h36
